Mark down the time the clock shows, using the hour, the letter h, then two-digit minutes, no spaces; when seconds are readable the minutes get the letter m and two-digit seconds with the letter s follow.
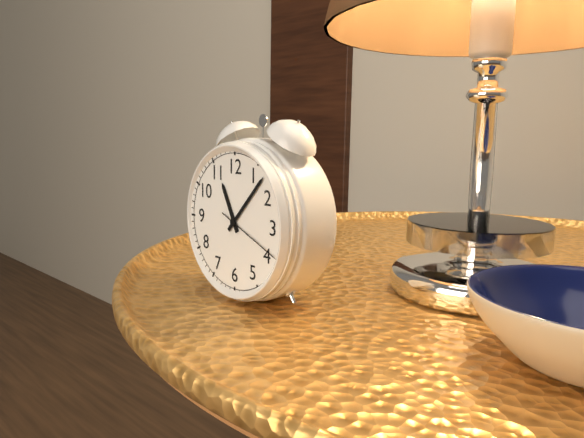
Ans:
11h07m19s
